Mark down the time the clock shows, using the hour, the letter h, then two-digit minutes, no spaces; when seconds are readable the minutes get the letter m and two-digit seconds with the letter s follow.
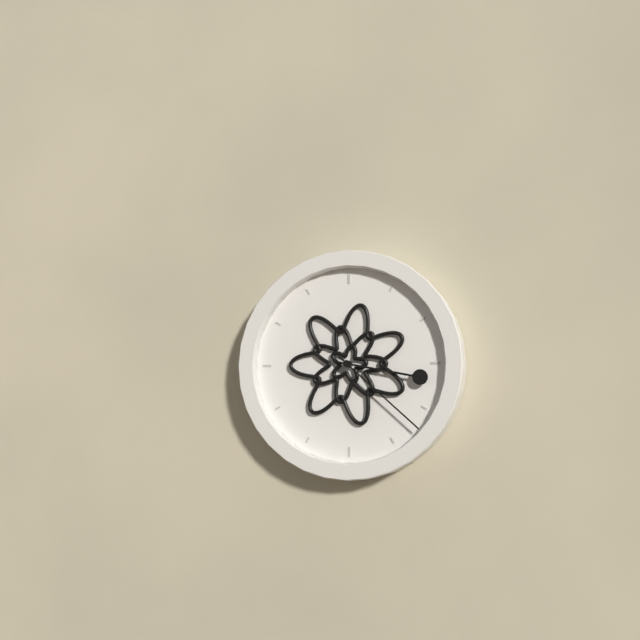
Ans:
3h22
